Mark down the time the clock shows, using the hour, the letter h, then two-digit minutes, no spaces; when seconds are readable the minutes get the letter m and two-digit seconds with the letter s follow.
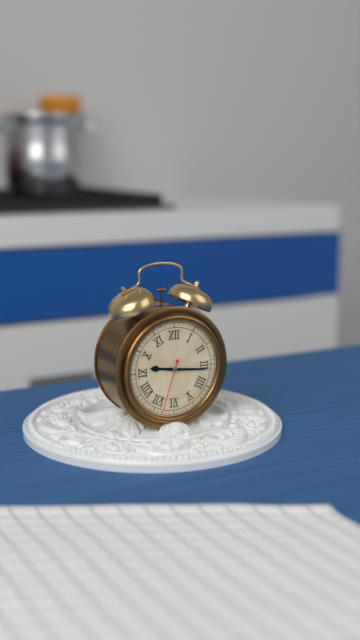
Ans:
9h16m33s
